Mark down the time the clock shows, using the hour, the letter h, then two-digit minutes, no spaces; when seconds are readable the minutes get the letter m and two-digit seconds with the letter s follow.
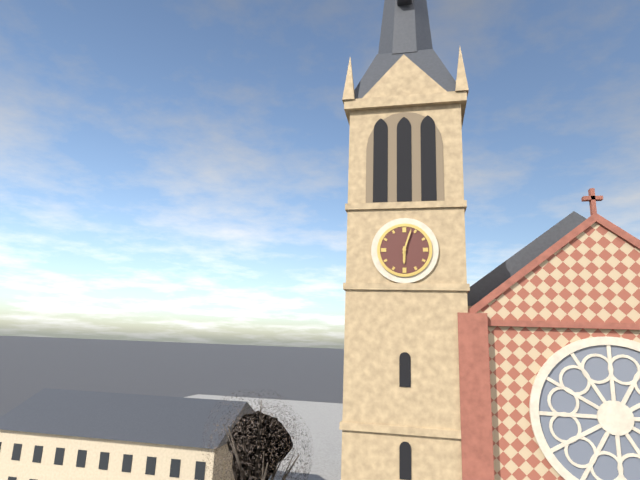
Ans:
6h03
